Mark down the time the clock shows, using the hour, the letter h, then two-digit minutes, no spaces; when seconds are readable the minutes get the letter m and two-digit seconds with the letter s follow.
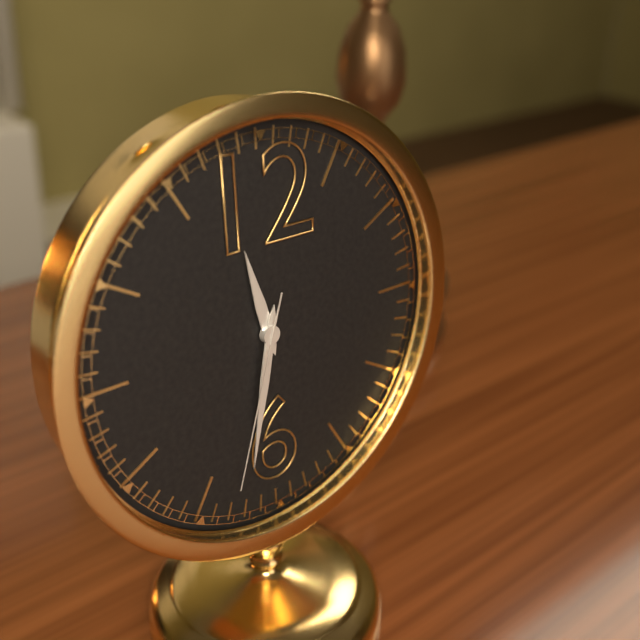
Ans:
11h32m33s
